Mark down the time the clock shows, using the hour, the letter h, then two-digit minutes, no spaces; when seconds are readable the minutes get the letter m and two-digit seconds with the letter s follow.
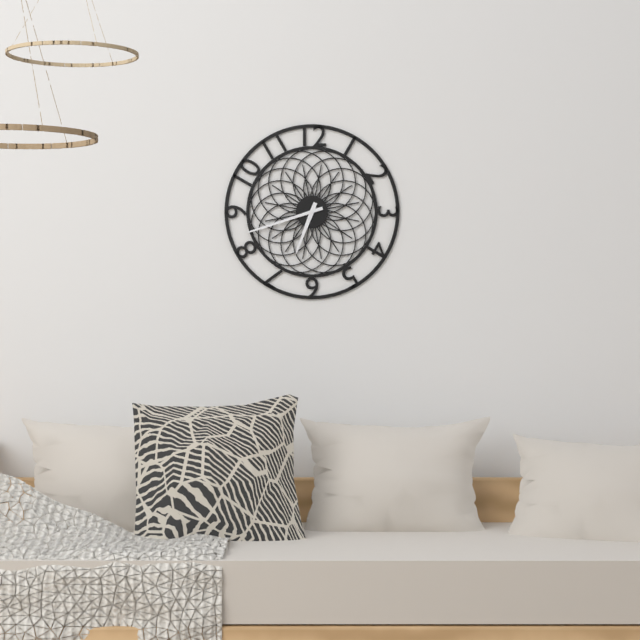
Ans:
6h42
